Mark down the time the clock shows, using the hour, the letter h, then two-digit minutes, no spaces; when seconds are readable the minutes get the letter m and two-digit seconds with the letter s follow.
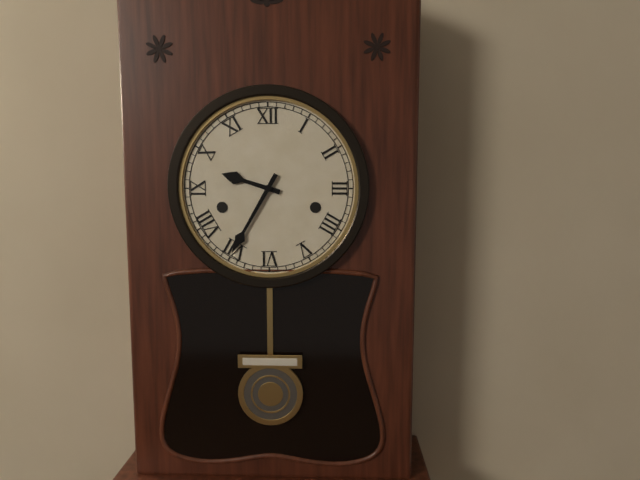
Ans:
9h35
